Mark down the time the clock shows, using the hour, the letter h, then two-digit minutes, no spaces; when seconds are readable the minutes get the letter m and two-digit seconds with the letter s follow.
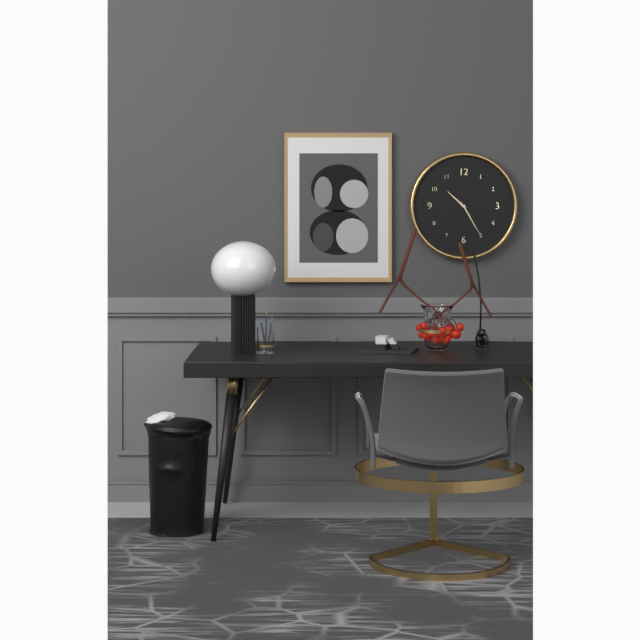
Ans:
10h25
